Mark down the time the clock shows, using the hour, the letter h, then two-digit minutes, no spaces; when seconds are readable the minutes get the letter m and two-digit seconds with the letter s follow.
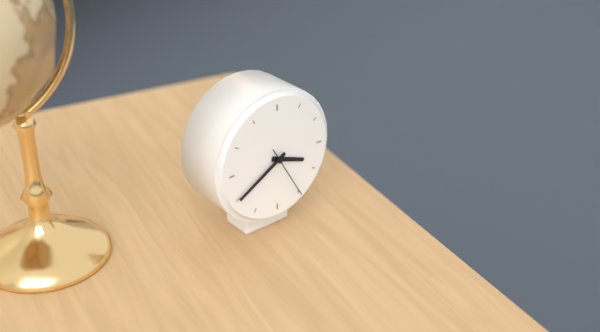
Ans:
3h40m25s
